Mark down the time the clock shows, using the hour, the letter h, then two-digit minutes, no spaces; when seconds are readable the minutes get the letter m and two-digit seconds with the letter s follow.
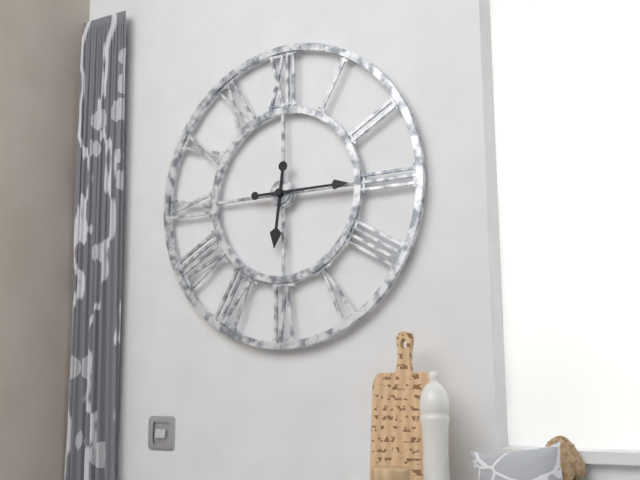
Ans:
6h15
